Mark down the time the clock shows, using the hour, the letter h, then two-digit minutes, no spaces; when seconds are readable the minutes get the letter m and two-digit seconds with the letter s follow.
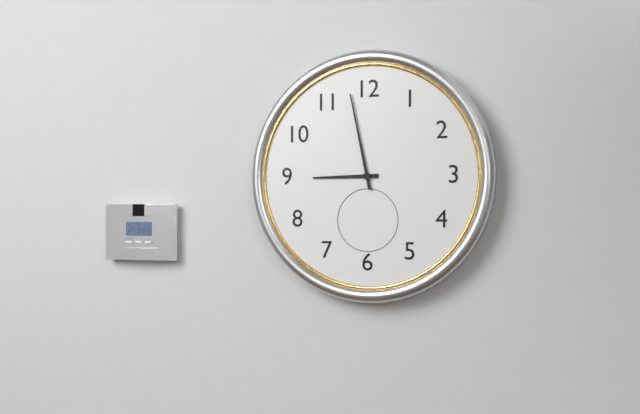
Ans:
8h58
